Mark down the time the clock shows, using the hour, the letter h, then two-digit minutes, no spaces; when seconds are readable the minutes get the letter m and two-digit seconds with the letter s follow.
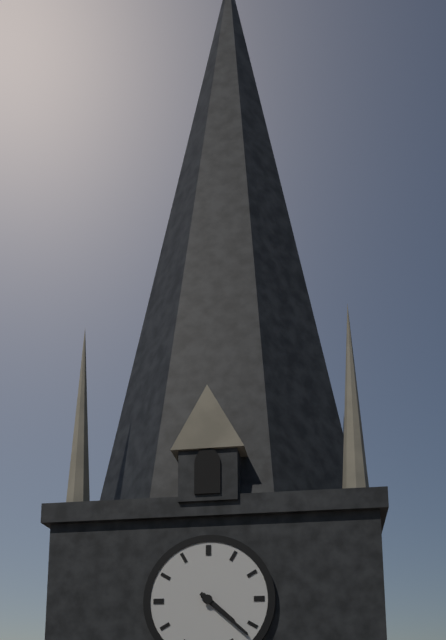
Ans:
4h22
